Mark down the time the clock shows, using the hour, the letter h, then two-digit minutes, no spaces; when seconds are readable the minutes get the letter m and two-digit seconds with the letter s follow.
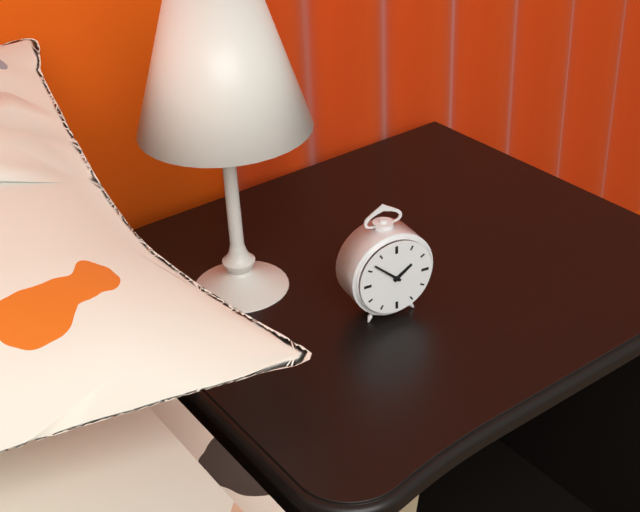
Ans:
1h52
